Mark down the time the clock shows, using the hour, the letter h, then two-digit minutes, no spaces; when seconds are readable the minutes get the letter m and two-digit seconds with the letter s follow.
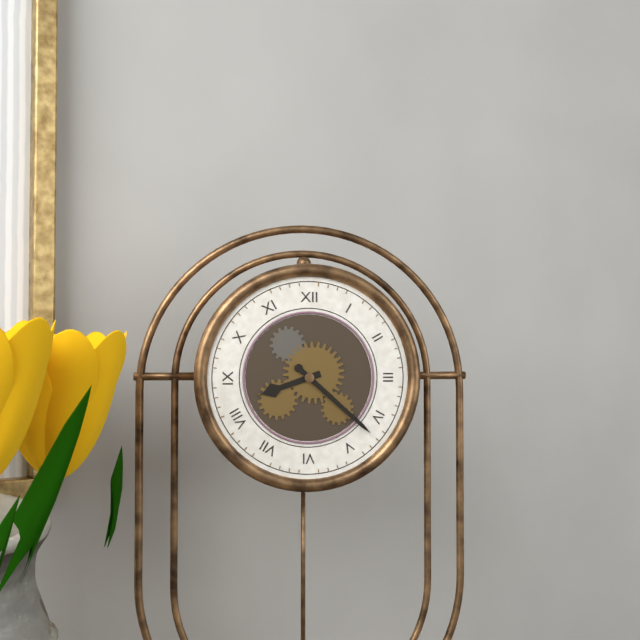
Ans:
8h22
